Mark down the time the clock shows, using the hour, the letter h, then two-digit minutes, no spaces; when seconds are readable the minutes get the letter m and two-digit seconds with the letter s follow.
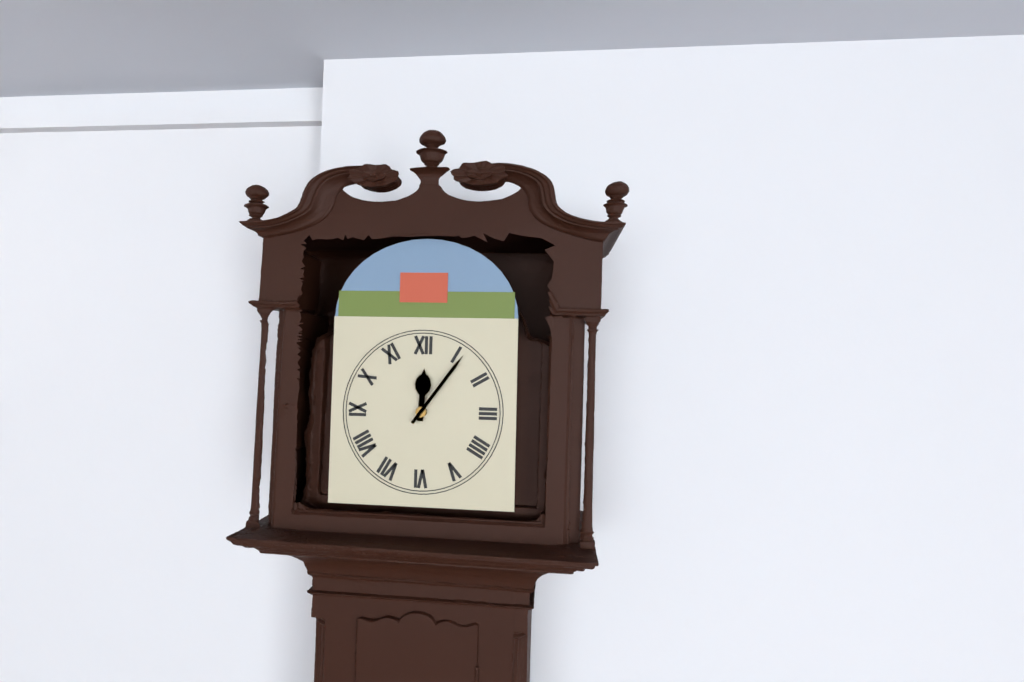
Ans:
12h06
